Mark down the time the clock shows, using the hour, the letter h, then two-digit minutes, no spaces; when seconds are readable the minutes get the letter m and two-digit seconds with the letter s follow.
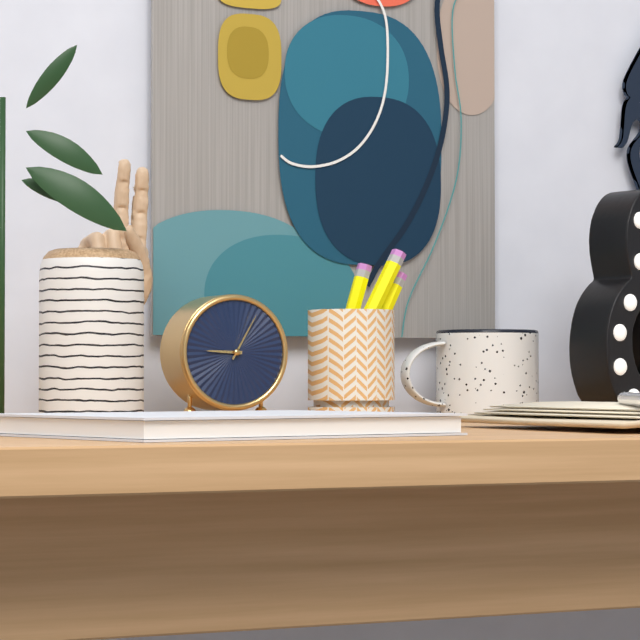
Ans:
9h05
